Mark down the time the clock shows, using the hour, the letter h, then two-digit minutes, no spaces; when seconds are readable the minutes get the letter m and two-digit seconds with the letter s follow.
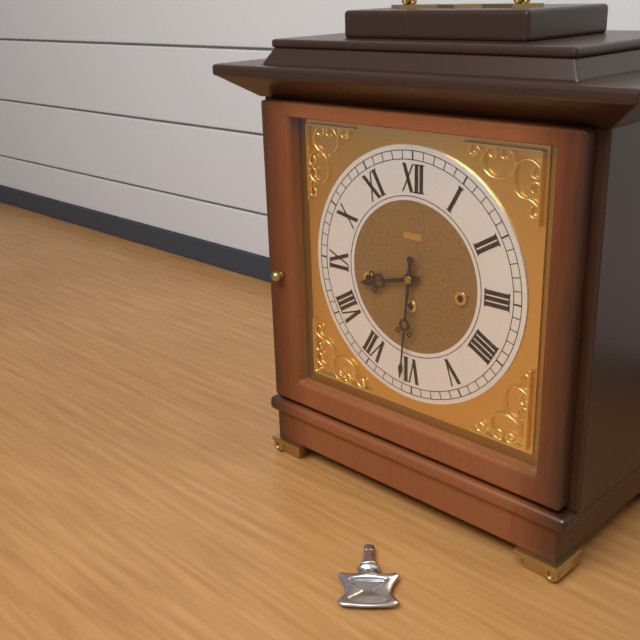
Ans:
8h31
